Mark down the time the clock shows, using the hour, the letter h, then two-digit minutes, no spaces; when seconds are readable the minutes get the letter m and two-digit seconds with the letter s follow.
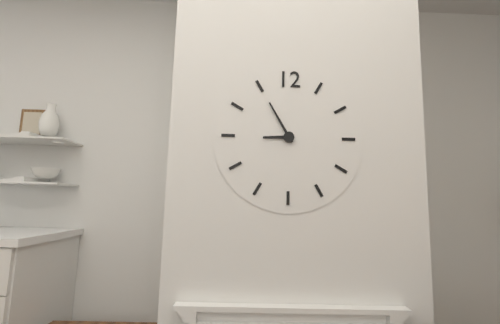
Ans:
8h55
